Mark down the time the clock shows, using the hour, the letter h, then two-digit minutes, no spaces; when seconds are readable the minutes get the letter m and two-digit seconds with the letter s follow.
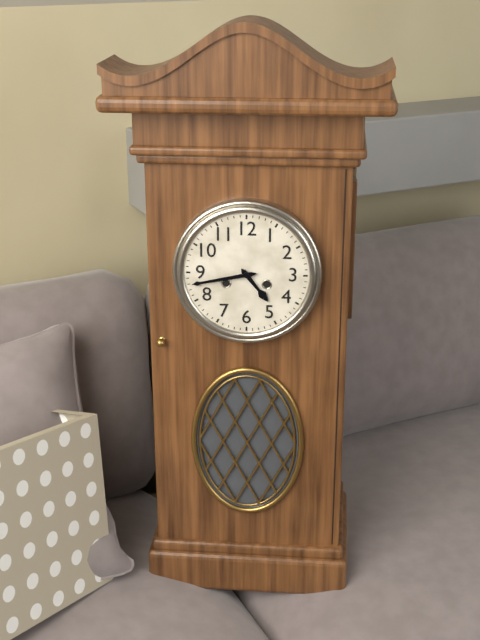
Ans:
4h43
